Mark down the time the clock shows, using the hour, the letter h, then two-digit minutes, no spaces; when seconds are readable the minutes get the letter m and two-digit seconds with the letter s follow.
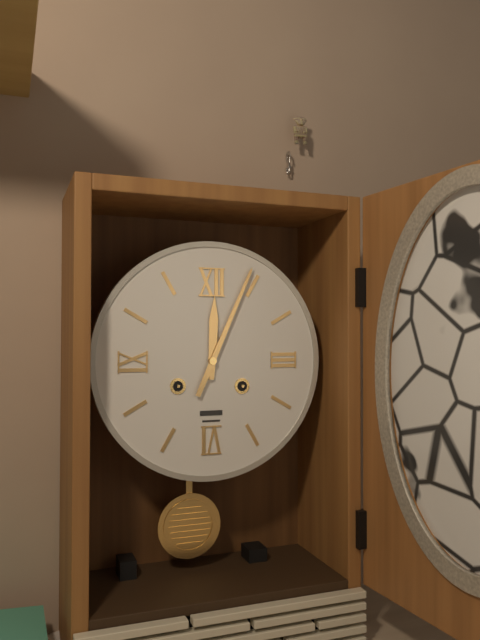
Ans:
12h04
